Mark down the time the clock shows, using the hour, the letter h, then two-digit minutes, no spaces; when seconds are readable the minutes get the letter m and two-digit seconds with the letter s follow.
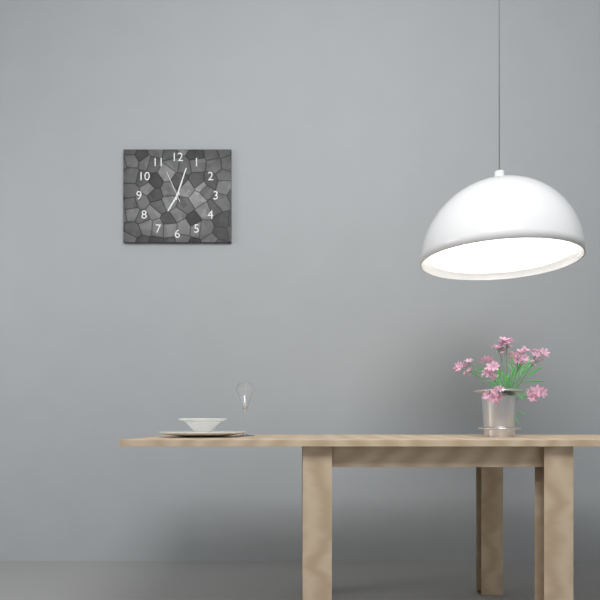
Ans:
7h03
